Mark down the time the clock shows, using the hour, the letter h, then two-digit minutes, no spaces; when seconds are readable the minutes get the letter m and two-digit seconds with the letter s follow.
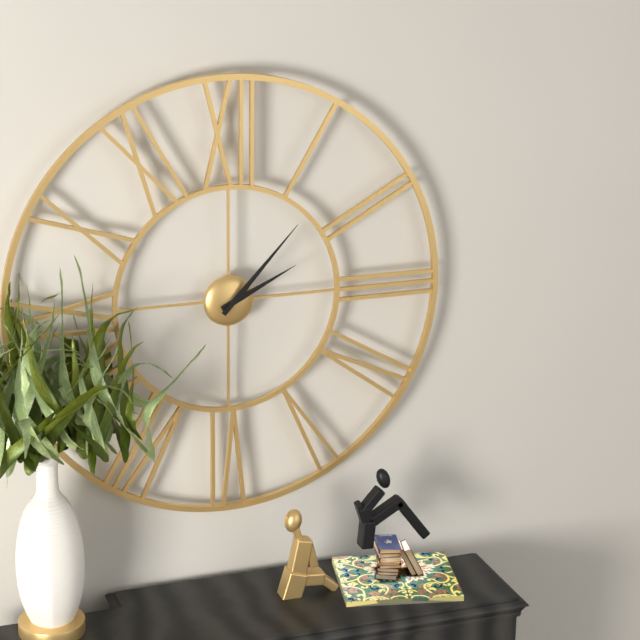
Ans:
2h07
